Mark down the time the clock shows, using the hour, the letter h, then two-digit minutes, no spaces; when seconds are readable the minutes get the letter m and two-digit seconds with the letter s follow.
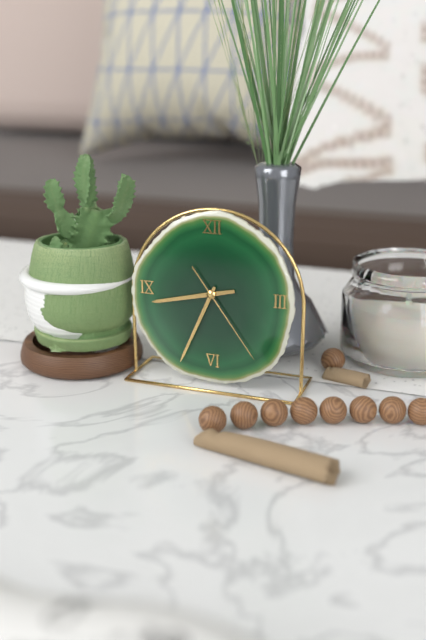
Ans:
8h34m24s
